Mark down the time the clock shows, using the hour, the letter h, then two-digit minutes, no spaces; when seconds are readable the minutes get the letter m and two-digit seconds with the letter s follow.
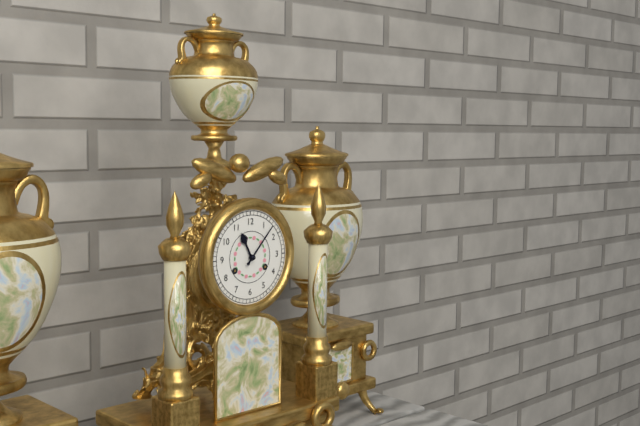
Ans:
11h07
